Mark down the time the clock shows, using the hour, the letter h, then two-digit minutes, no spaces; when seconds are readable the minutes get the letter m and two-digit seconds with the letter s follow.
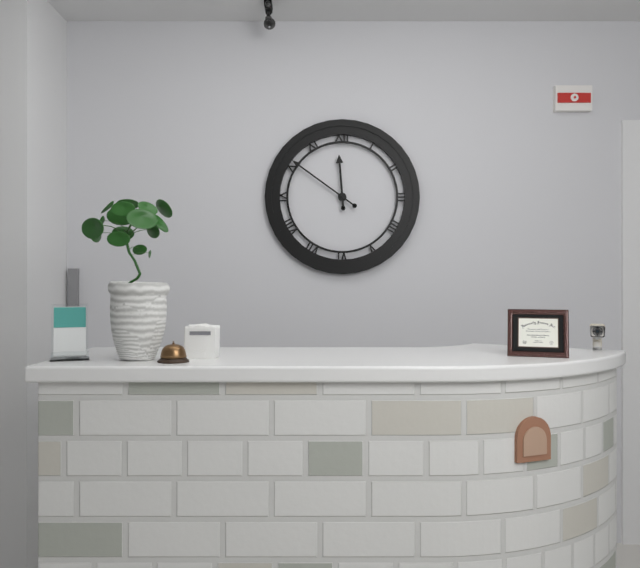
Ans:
11h51
